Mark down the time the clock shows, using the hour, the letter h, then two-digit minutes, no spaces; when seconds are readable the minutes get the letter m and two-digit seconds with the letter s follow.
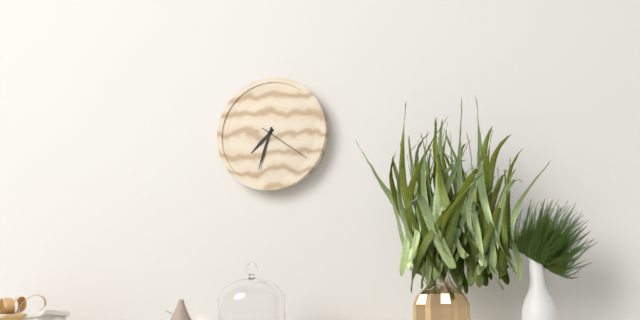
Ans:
7h33m21s
